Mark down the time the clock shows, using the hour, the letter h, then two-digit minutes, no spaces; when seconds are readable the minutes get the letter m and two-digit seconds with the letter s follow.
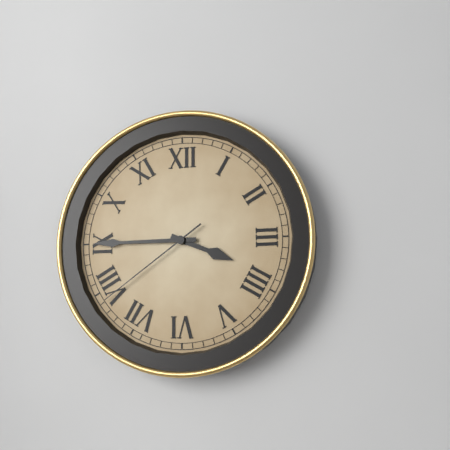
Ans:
3h45m39s
